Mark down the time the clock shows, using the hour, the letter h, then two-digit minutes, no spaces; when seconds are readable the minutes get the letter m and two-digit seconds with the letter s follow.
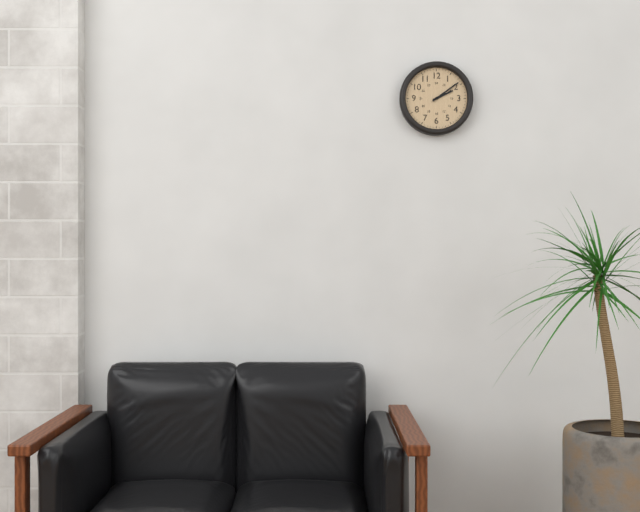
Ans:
2h09
